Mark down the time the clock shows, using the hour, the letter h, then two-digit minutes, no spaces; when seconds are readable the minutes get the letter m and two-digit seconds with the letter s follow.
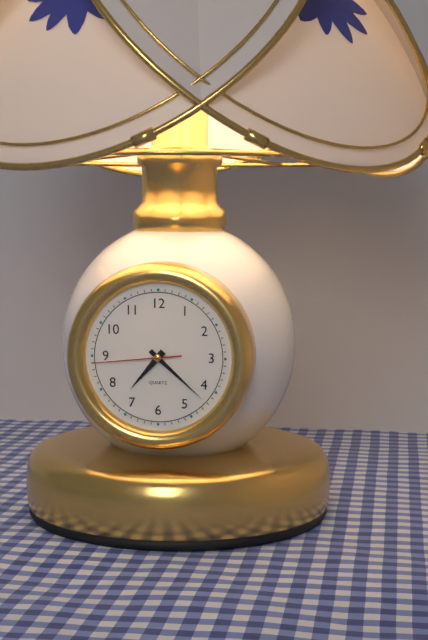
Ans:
7h22m44s
